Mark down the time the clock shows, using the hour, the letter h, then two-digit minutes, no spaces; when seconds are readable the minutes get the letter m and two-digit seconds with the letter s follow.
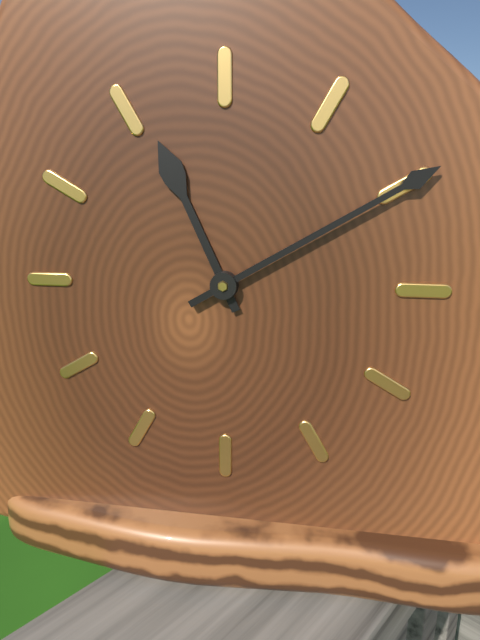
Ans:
11h10
